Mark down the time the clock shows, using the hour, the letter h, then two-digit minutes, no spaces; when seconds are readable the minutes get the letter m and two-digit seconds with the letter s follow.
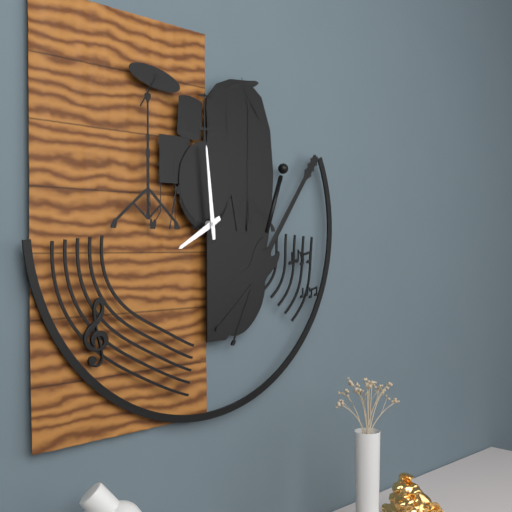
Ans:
7h59
